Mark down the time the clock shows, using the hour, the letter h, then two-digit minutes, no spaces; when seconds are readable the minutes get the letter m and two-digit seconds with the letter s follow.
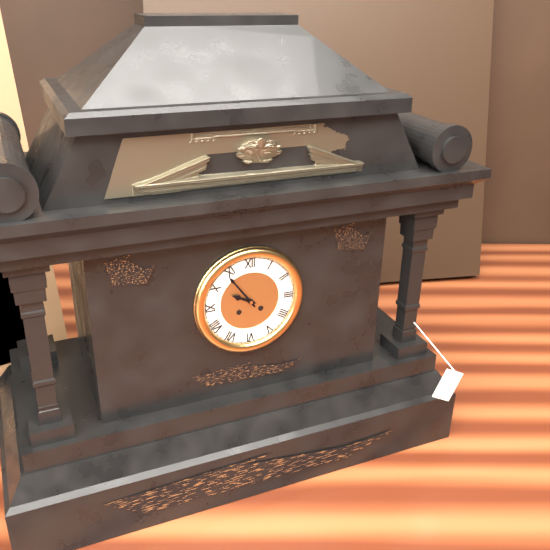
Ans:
9h54
